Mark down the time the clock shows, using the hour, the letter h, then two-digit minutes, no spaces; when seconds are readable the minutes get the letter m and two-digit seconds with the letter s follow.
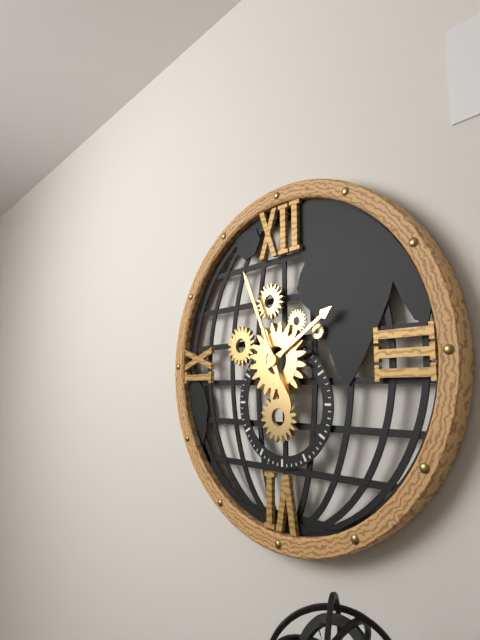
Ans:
1h56
